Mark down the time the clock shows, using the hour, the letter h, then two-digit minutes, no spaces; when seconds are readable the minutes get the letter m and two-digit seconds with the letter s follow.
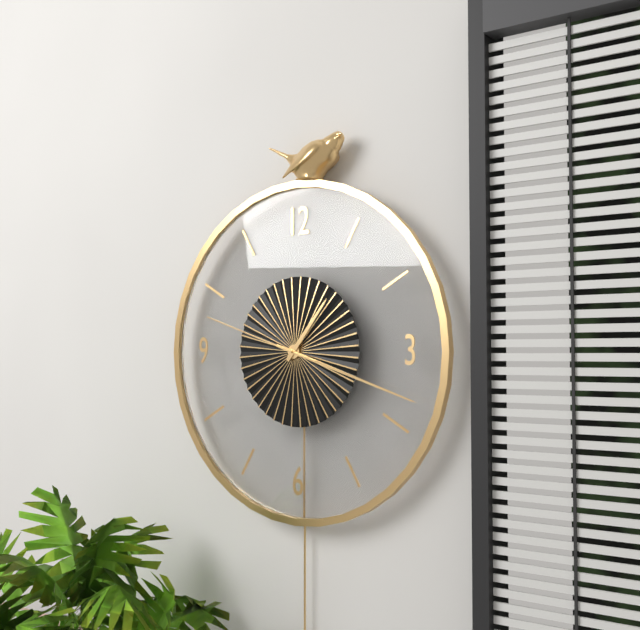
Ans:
1h18m48s
